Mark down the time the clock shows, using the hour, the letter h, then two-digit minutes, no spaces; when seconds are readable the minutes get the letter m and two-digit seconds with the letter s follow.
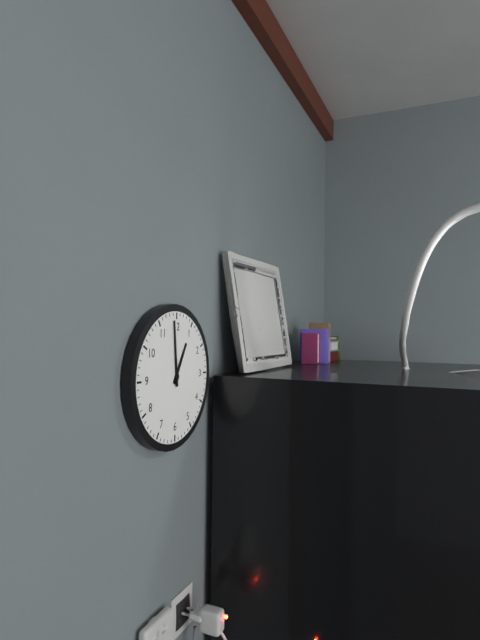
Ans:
12h59
